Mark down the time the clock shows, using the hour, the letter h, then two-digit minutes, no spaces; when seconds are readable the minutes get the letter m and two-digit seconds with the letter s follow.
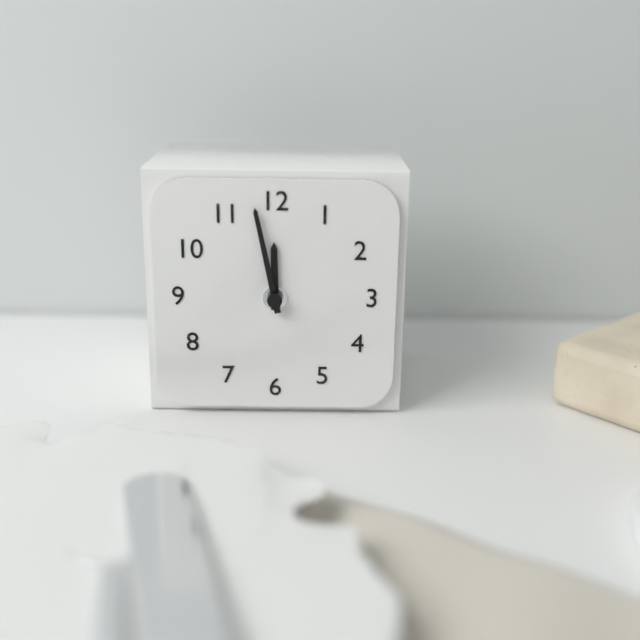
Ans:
11h58
